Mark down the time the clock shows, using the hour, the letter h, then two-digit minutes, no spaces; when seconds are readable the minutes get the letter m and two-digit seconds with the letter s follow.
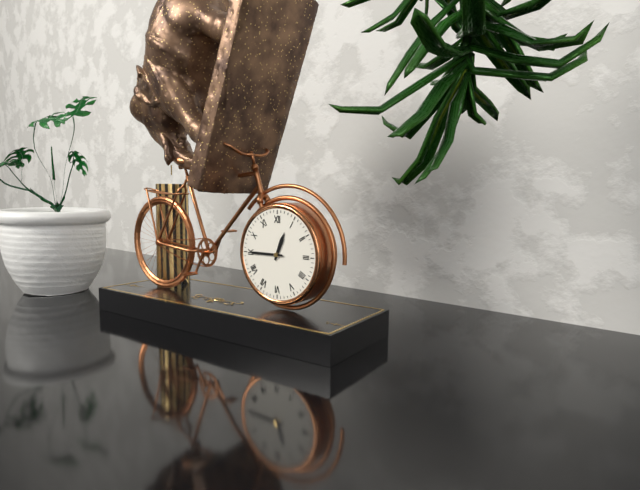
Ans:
12h45
